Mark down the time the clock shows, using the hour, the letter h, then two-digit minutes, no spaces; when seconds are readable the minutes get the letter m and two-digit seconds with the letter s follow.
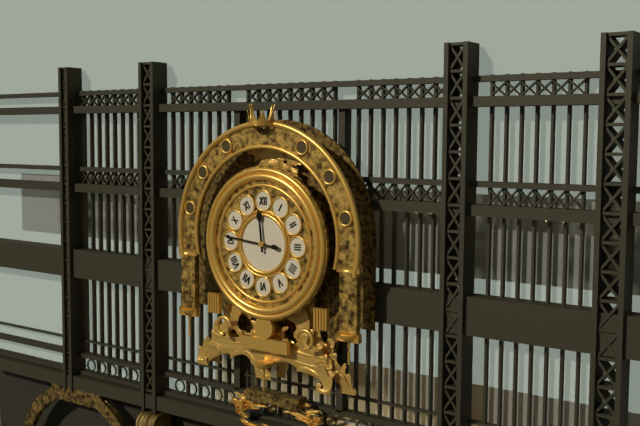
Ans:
11h46
